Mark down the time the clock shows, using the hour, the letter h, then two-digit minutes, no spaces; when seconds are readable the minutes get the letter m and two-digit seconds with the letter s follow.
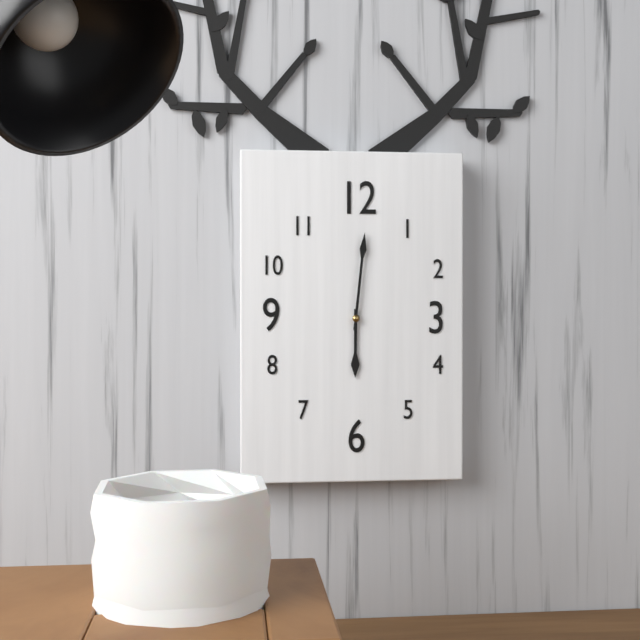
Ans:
6h01
